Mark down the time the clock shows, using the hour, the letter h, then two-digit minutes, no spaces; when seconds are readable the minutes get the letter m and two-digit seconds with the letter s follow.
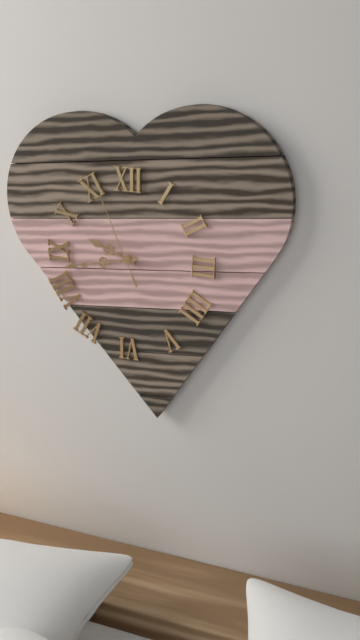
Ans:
9h43m56s
